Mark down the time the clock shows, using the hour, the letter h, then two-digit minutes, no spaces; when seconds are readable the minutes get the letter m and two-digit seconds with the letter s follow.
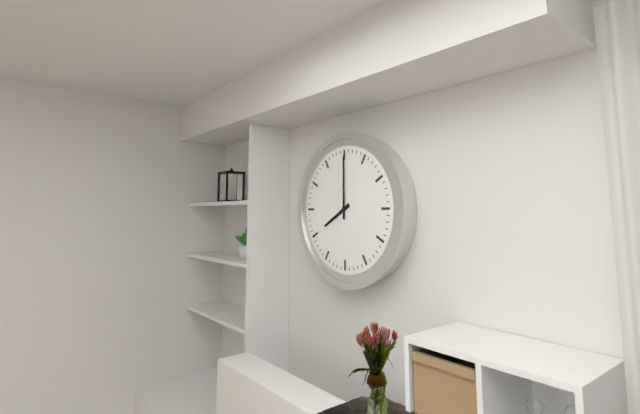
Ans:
8h00
